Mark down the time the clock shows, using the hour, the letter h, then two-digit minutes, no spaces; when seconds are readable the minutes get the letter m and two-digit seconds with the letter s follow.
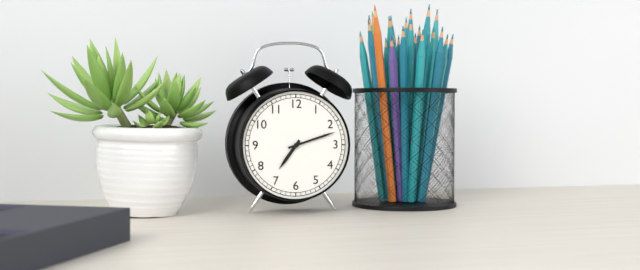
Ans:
7h12
